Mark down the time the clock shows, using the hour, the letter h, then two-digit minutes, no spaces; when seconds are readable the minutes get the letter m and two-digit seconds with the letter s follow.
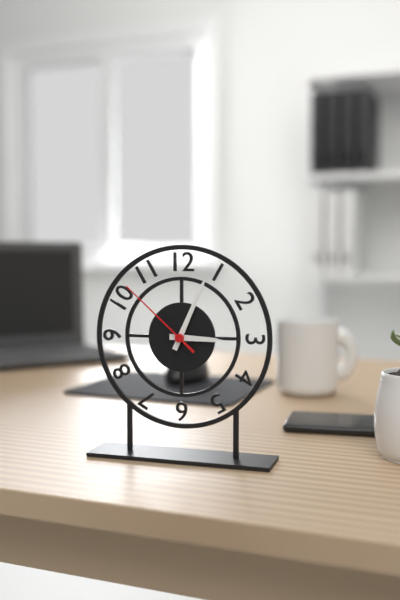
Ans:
3h04m52s
